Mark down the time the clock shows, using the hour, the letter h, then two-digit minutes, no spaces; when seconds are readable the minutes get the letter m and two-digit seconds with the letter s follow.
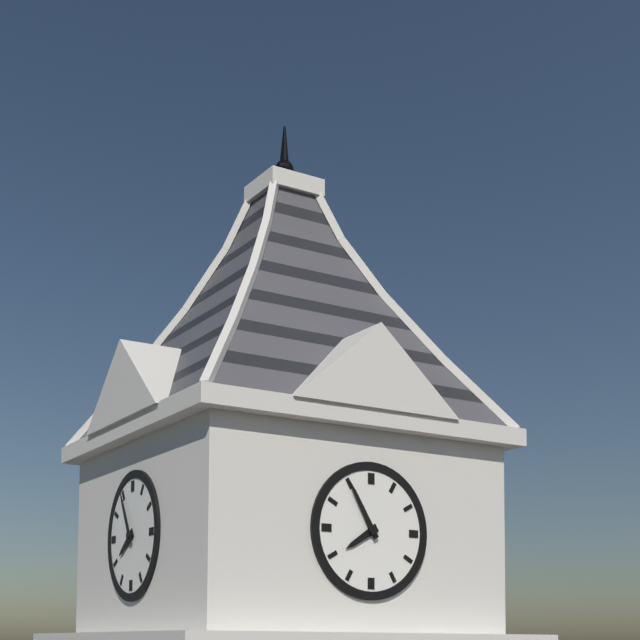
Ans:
7h55
